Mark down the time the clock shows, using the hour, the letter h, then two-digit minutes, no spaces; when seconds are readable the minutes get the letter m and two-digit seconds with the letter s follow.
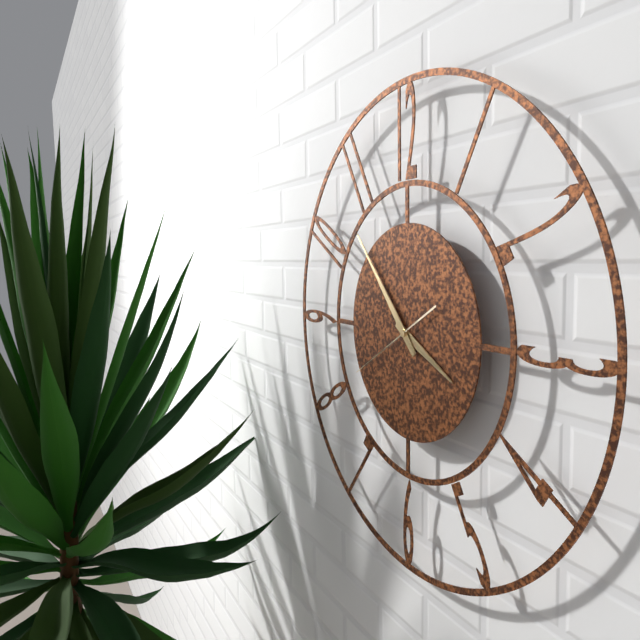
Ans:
3h53m40s
